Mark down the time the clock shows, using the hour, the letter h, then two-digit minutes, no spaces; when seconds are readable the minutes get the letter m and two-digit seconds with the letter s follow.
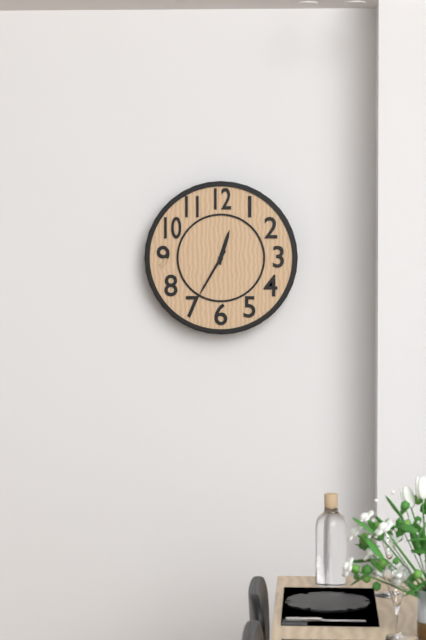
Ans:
12h35
